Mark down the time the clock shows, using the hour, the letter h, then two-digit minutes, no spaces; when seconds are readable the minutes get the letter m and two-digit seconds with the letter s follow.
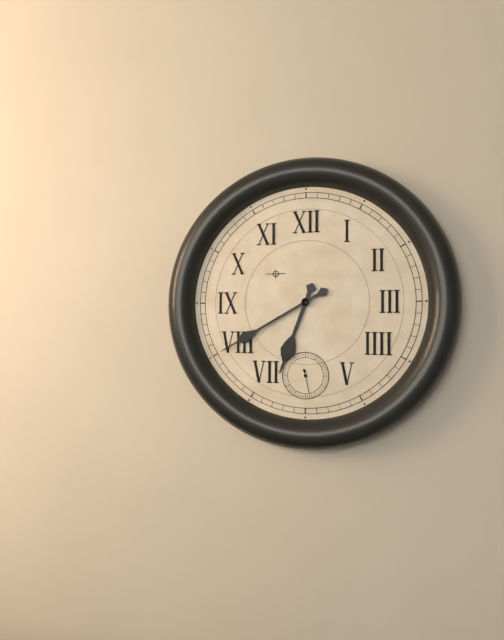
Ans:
6h40
